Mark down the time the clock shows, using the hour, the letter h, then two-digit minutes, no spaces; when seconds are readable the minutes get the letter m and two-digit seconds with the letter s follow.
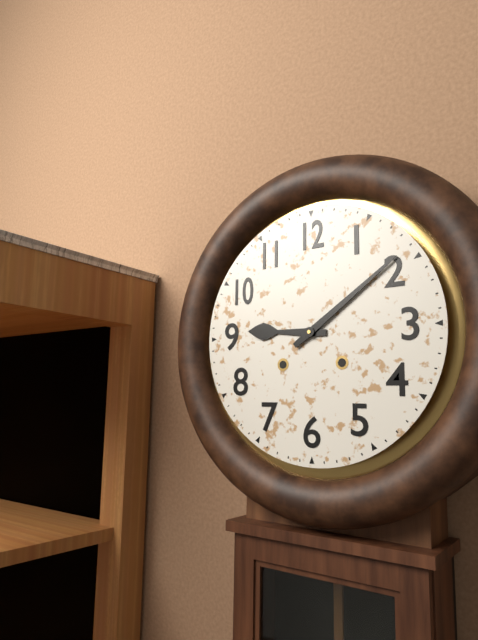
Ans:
9h09
